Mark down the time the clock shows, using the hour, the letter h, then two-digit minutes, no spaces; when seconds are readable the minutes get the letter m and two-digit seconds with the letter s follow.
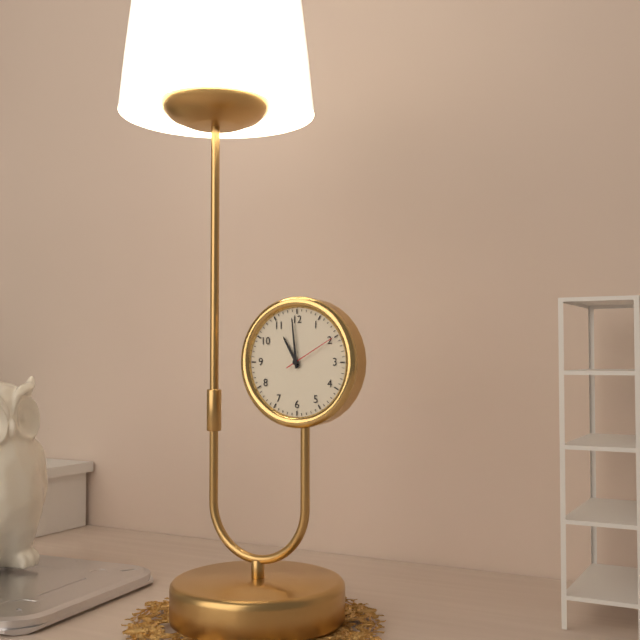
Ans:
10h59
